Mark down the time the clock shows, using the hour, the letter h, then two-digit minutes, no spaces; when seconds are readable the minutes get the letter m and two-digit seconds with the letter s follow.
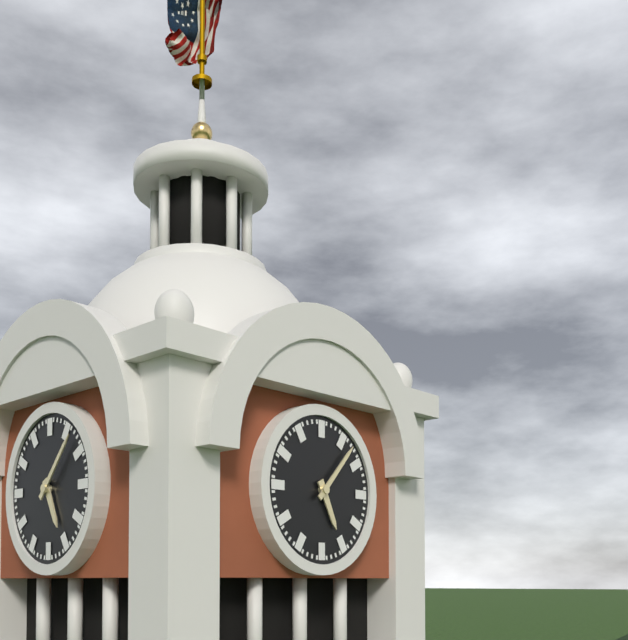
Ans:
5h07
